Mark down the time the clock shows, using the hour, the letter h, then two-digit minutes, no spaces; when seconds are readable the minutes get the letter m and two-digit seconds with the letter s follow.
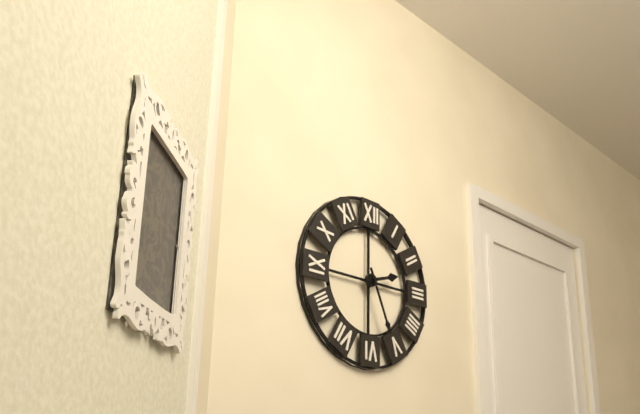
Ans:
2h26
